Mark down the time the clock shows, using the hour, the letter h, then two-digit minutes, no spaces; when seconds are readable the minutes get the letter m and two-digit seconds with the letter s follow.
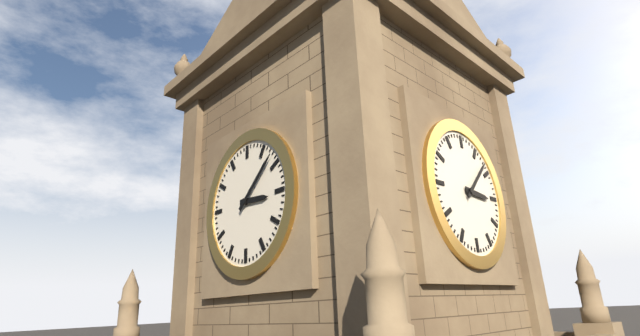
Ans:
3h08
